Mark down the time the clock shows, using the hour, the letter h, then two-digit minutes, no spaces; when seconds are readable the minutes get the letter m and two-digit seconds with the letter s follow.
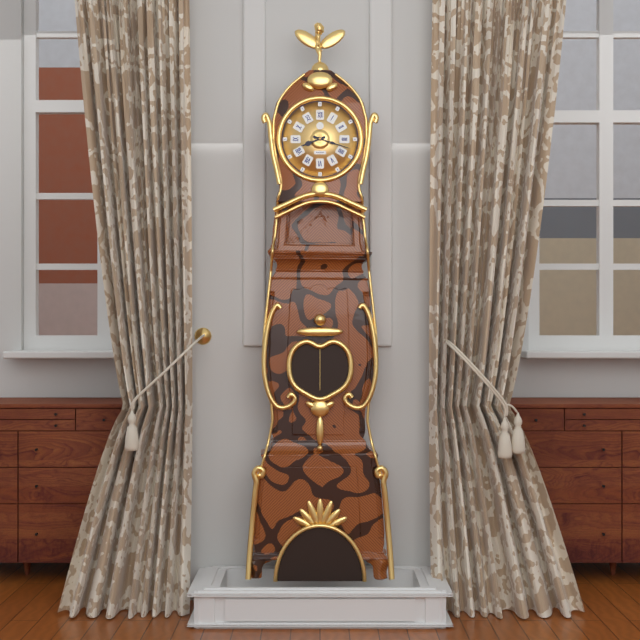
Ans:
8h18
